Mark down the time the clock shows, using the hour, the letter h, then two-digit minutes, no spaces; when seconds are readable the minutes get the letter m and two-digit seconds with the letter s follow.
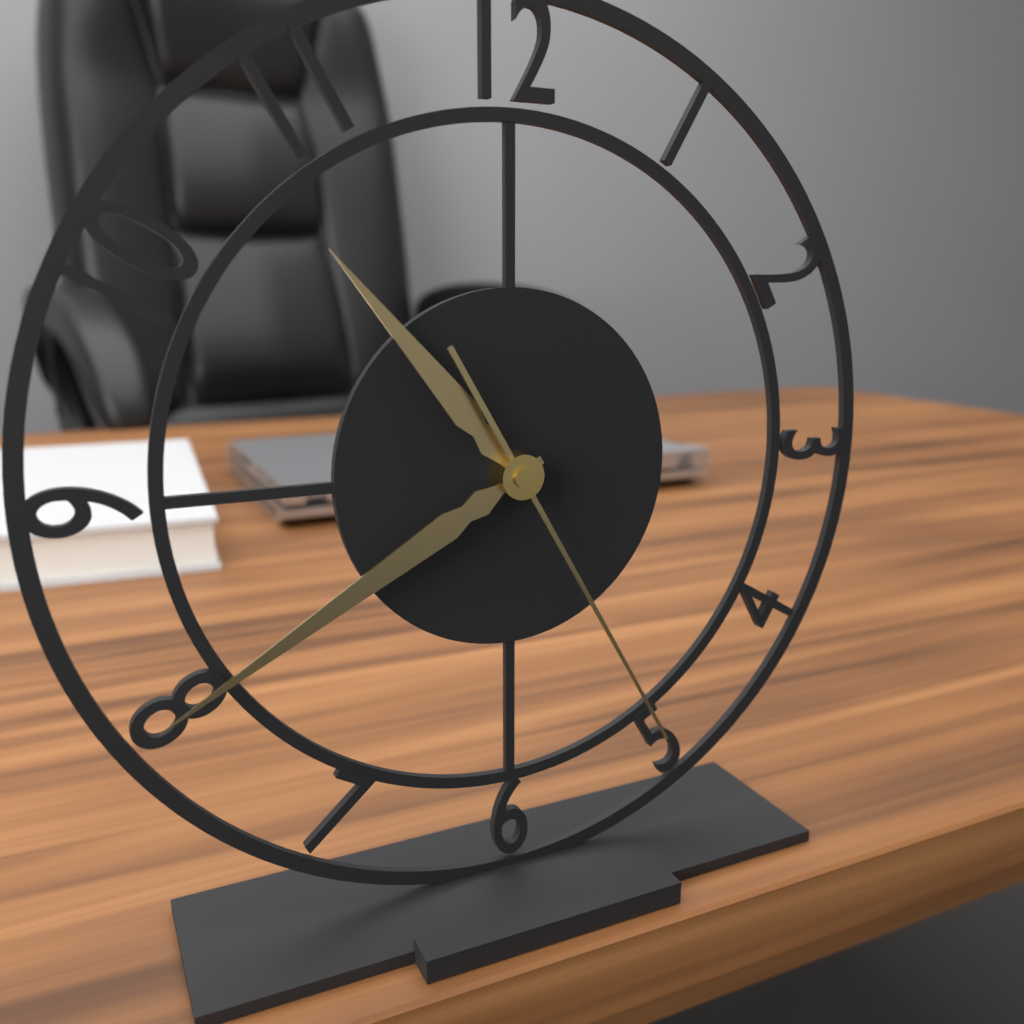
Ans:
10h40m25s
